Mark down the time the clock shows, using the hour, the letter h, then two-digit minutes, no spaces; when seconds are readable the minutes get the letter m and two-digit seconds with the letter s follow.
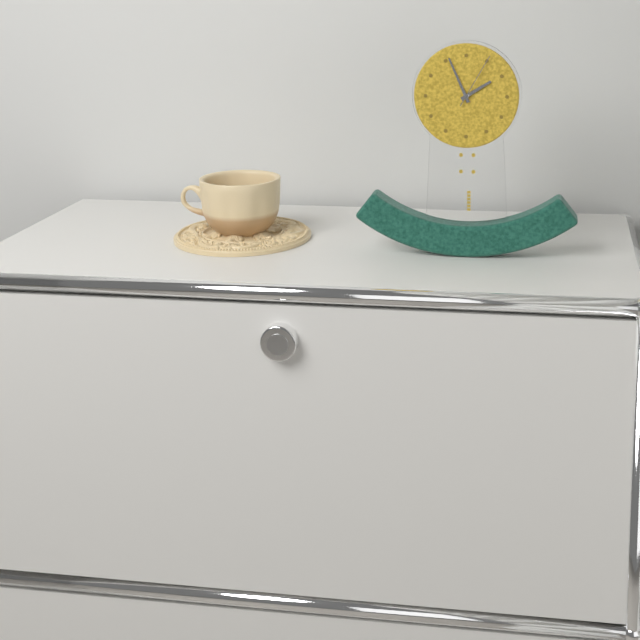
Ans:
1h56m05s
